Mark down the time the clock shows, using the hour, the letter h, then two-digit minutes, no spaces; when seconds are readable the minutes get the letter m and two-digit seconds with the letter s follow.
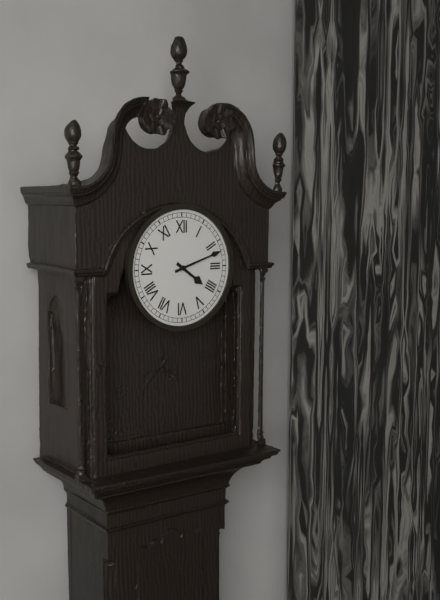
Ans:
4h12
